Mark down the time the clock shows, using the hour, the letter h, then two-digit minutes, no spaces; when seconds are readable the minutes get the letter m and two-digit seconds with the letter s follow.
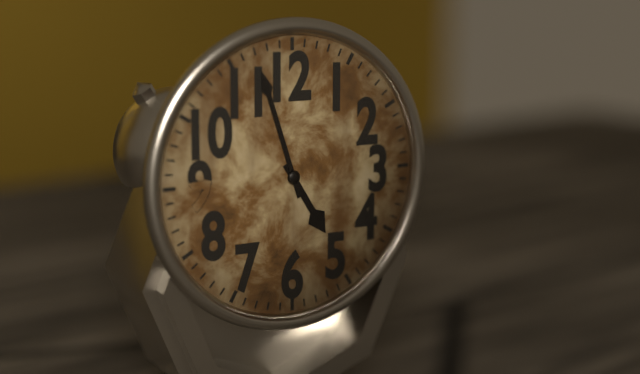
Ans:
4h57
